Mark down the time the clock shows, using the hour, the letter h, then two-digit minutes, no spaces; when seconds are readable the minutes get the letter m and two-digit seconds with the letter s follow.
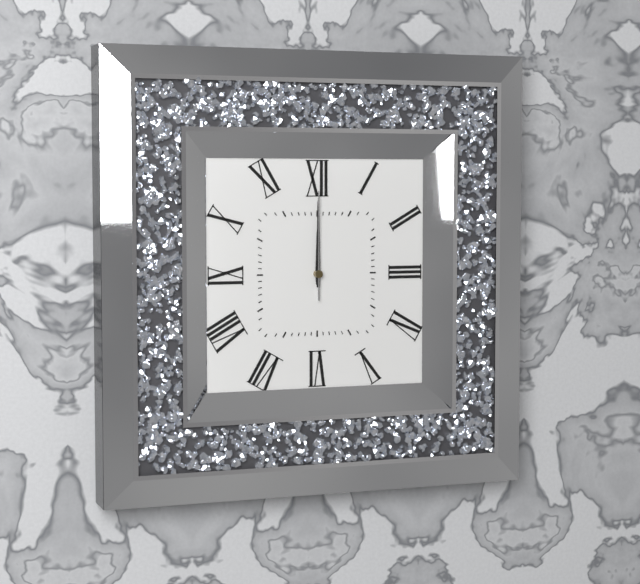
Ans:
12h00m00s
